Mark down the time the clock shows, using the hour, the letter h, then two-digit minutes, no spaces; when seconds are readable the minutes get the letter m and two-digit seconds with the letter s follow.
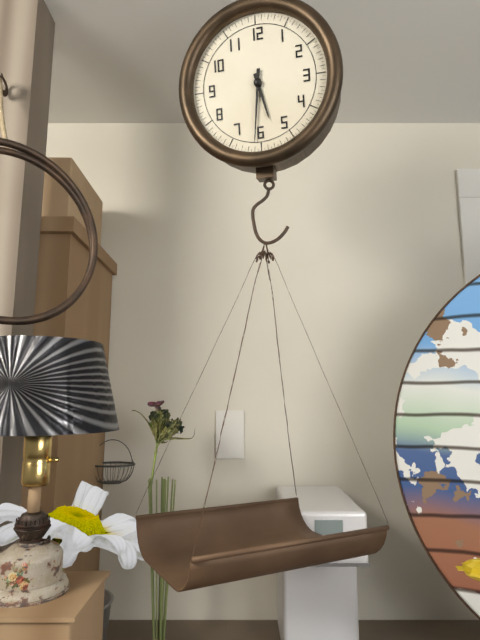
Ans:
5h31
